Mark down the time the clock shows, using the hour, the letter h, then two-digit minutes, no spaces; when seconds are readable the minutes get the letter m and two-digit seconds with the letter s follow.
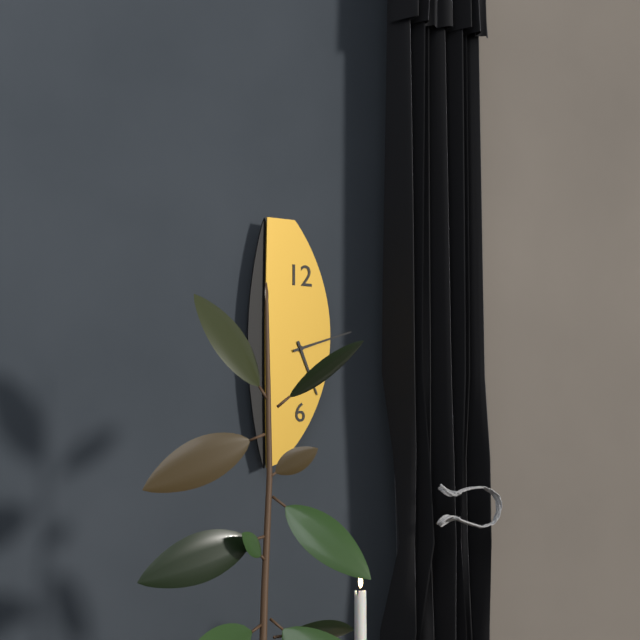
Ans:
5h12
